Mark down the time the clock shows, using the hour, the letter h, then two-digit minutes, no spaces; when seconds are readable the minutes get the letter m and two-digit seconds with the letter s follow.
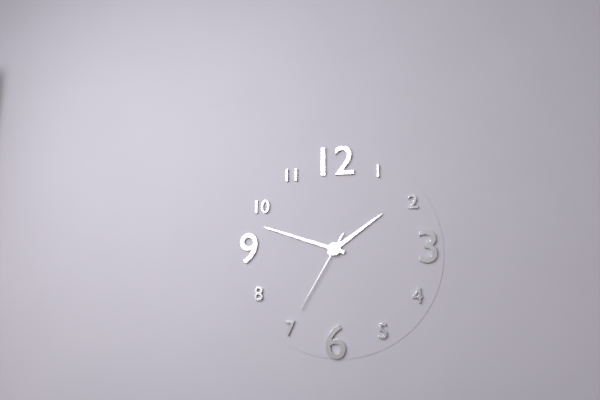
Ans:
1h48m35s
